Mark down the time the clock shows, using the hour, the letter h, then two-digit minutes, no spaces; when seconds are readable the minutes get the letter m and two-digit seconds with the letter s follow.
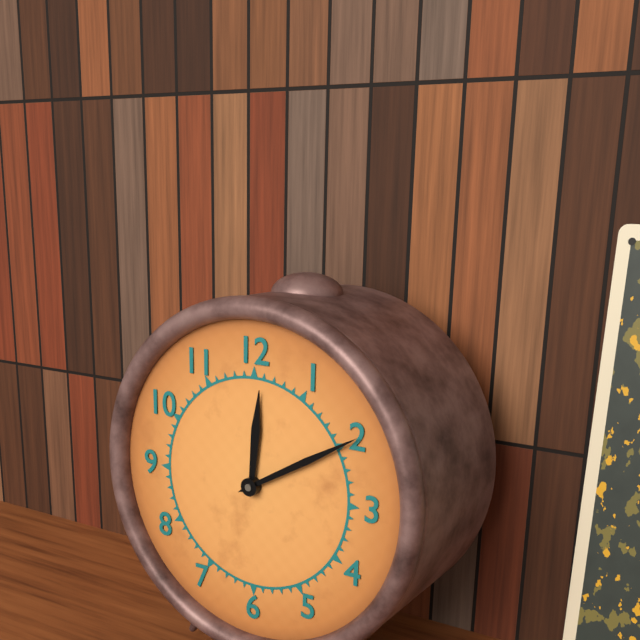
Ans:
12h10
